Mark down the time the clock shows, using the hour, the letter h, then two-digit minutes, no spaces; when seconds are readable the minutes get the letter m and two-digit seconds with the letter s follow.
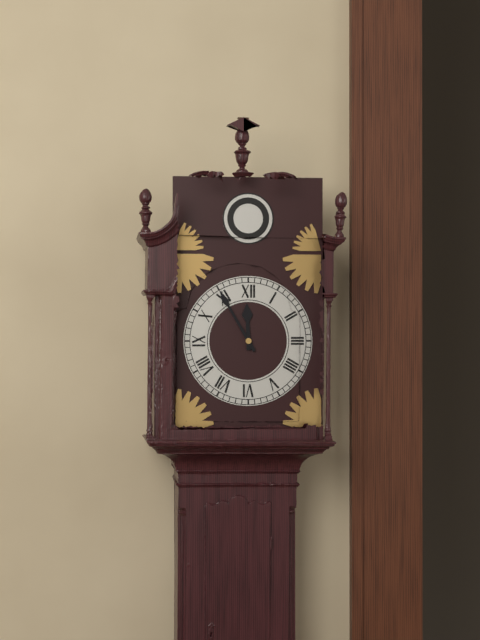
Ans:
11h55
